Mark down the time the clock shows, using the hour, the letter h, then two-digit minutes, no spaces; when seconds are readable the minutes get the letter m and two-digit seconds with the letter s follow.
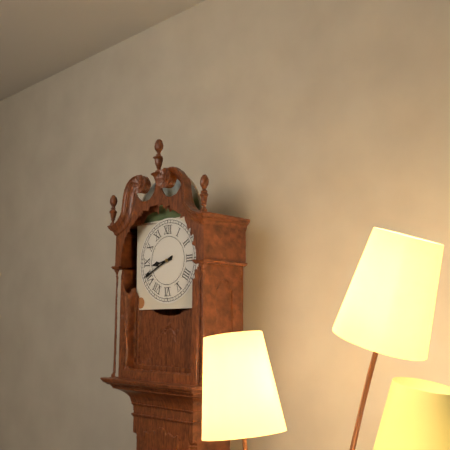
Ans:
8h41
